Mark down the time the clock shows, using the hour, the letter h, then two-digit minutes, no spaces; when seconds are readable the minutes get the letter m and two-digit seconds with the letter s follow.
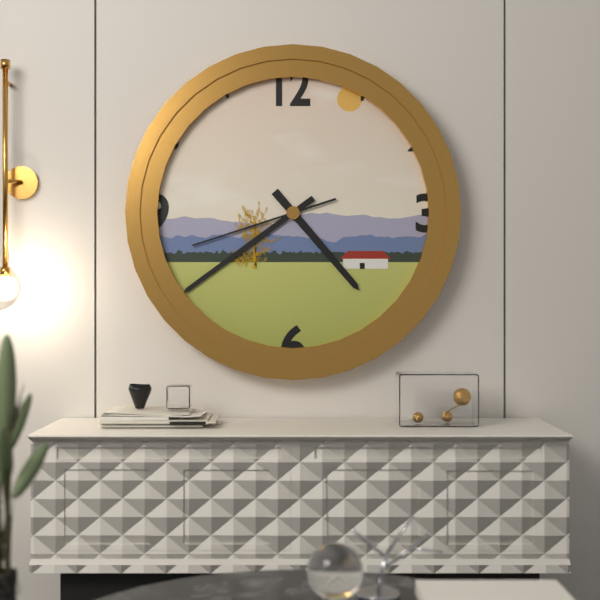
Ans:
4h39m42s
